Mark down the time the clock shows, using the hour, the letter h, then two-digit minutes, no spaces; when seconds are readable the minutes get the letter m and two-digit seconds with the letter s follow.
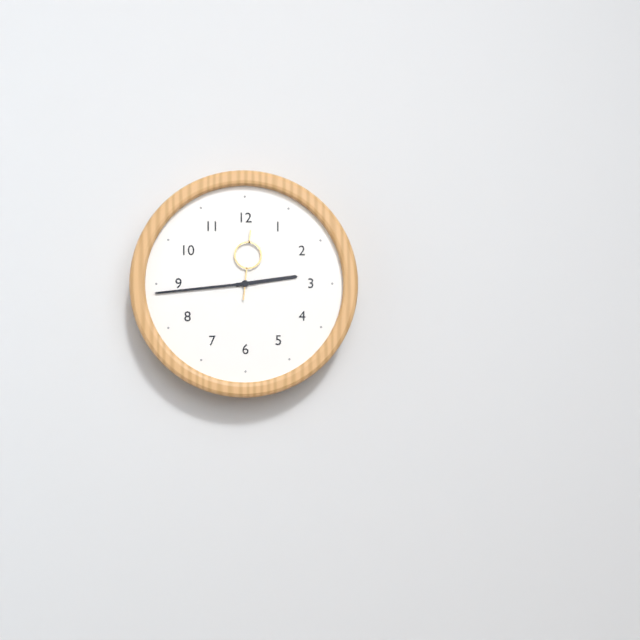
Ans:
2h44m01s
